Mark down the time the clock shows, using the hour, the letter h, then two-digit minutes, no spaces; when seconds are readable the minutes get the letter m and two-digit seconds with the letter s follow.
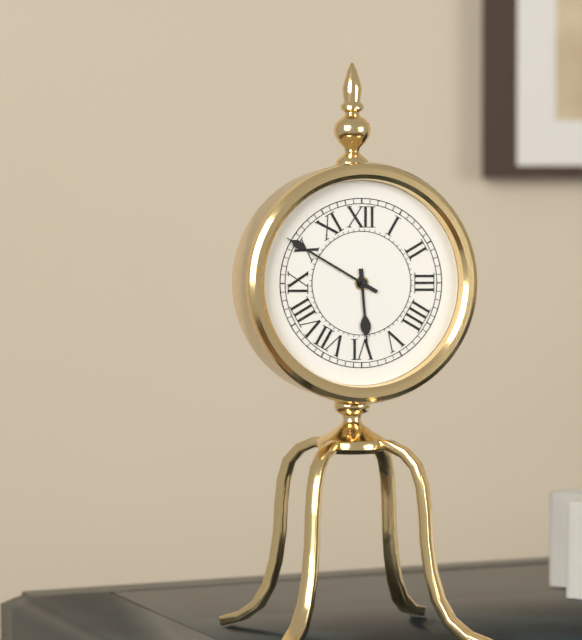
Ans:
5h50
